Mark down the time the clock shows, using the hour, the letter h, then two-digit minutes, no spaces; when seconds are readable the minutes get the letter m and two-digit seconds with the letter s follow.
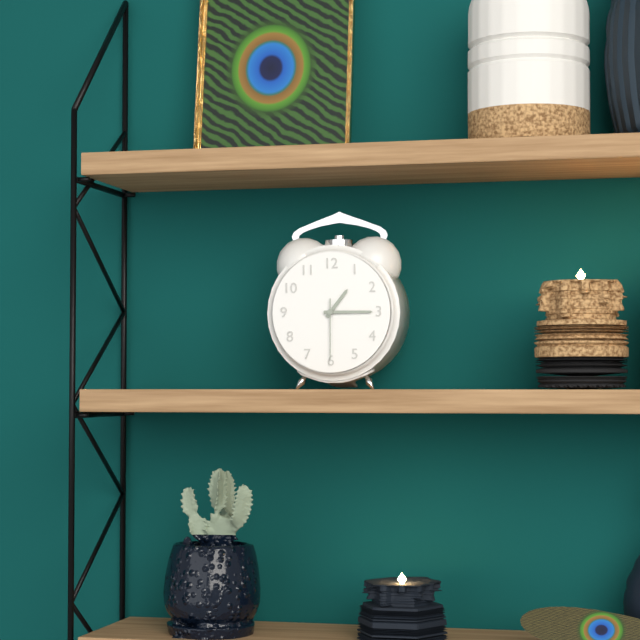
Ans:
1h15m30s
